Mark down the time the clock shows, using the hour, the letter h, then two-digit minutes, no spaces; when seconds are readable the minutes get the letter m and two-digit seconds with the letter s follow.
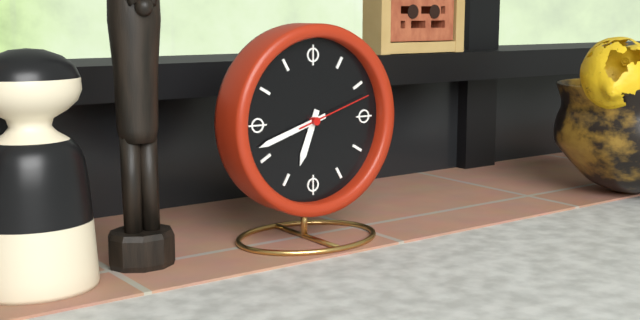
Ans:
6h42m12s
